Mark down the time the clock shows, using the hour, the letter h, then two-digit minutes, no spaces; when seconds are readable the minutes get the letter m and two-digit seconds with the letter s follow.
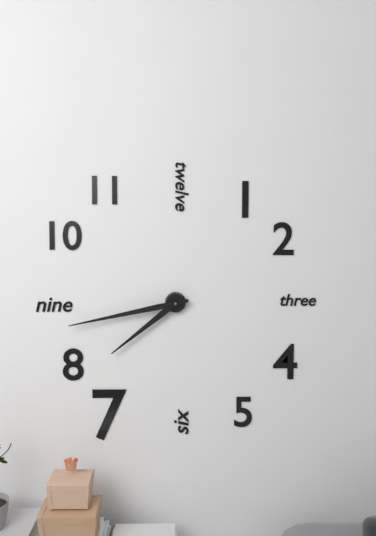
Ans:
7h43
